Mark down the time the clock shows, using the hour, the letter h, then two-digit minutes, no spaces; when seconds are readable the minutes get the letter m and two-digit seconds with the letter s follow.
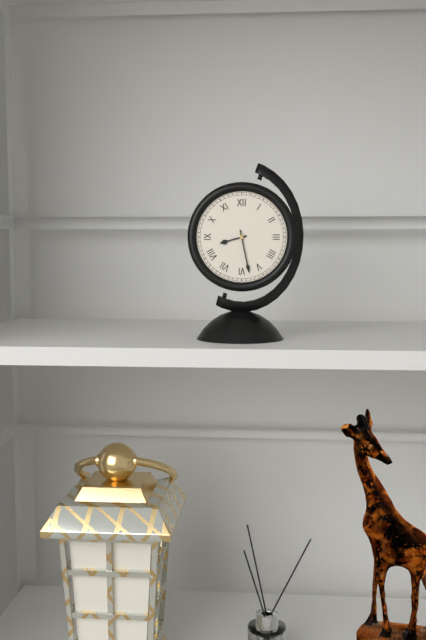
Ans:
8h28
